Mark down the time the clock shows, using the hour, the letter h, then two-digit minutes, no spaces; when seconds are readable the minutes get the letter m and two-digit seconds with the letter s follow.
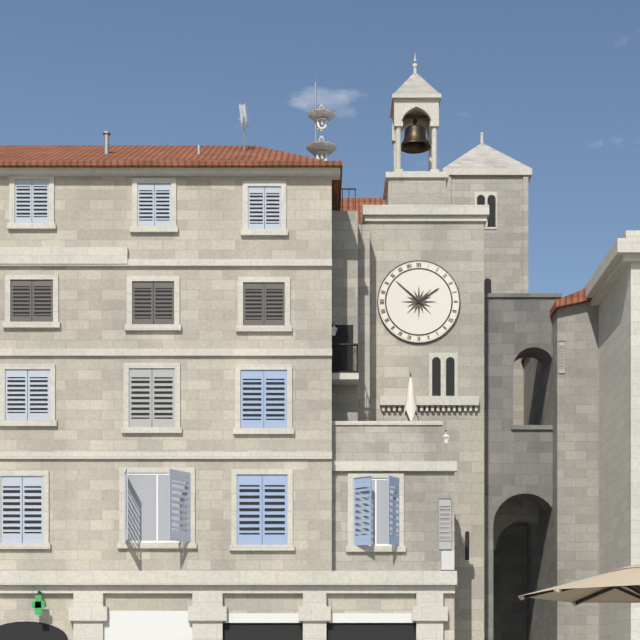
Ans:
1h52
